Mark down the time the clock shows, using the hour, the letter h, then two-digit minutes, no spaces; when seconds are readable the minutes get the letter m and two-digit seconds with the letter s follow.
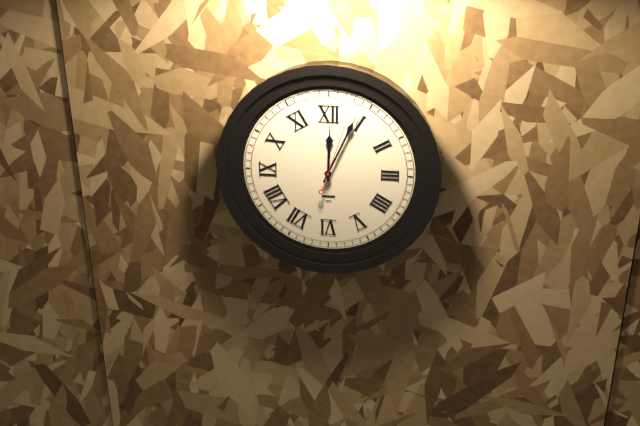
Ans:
12h04m03s
